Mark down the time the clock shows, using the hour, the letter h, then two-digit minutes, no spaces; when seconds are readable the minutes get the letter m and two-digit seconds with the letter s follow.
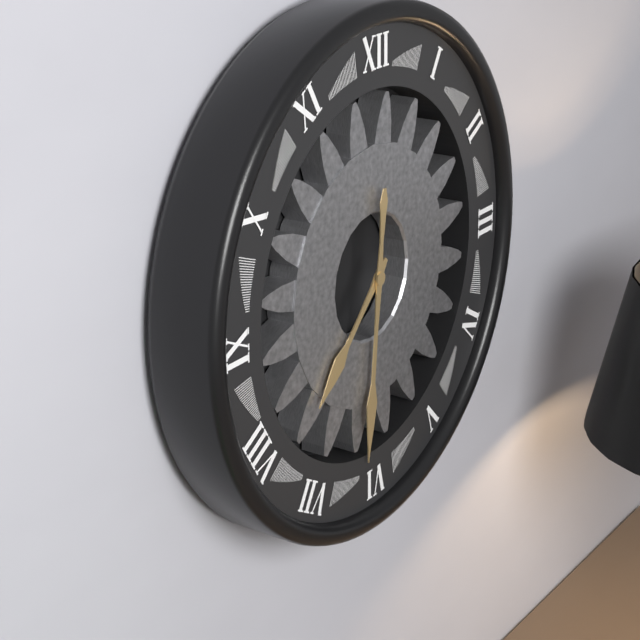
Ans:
7h31
